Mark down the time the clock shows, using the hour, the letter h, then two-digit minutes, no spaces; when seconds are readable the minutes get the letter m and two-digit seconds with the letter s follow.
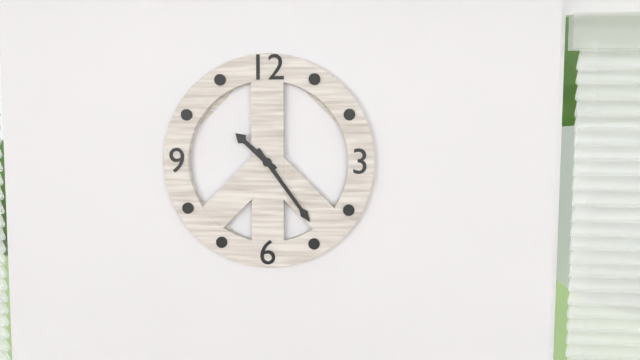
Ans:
10h24
